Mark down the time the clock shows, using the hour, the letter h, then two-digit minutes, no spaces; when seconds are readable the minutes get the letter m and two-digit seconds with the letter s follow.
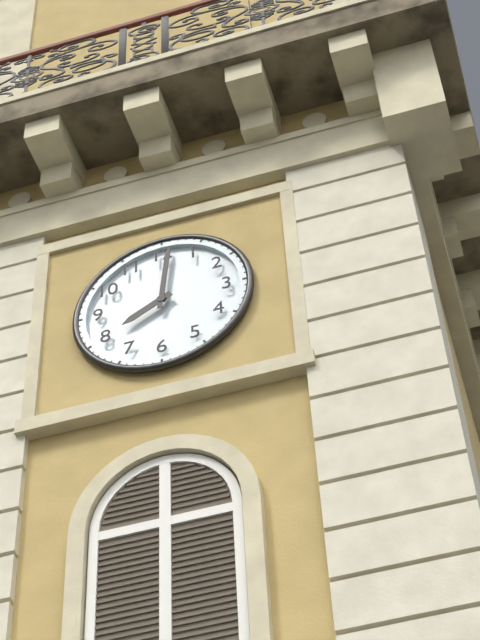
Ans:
8h01
